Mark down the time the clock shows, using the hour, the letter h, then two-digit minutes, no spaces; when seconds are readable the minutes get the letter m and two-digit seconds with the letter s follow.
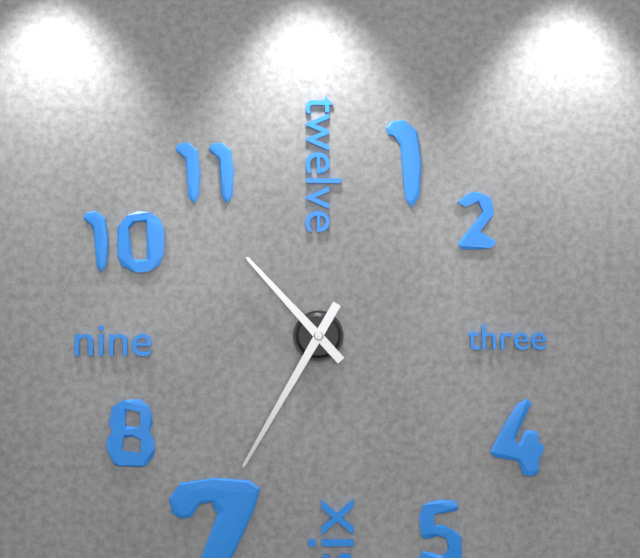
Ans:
10h35
